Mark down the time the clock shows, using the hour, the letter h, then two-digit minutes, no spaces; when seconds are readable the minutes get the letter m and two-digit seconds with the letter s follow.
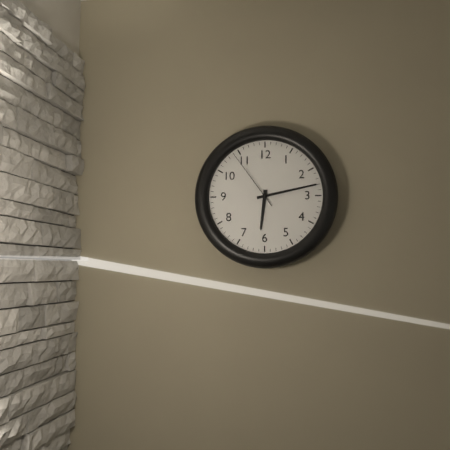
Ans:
6h13m54s
